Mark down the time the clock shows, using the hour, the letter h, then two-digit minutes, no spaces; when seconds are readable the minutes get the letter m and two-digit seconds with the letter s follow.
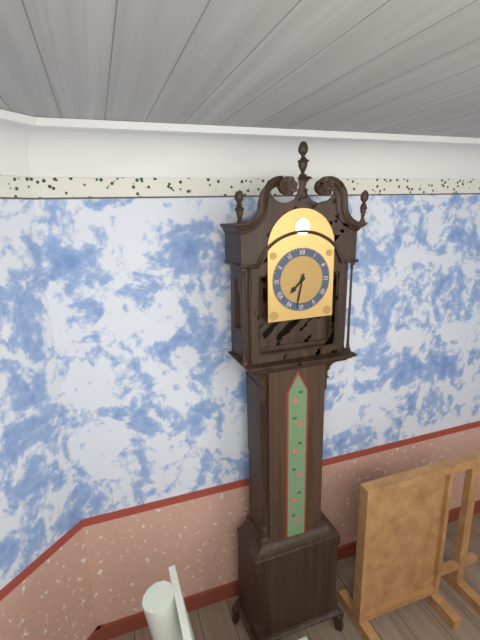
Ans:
7h32
